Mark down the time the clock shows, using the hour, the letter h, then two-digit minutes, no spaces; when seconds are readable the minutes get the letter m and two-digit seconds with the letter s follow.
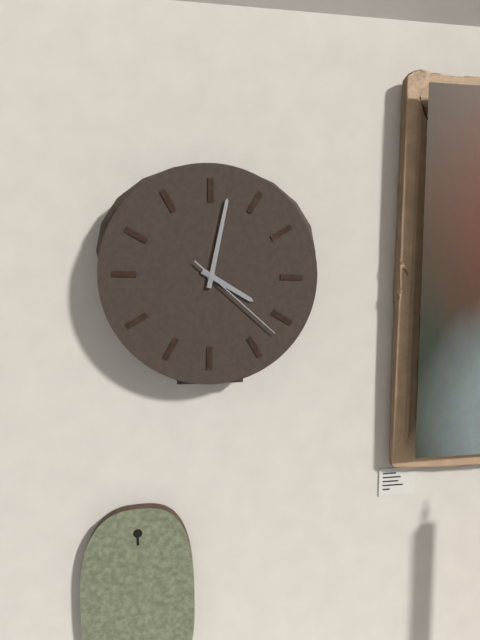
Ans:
4h02m22s
